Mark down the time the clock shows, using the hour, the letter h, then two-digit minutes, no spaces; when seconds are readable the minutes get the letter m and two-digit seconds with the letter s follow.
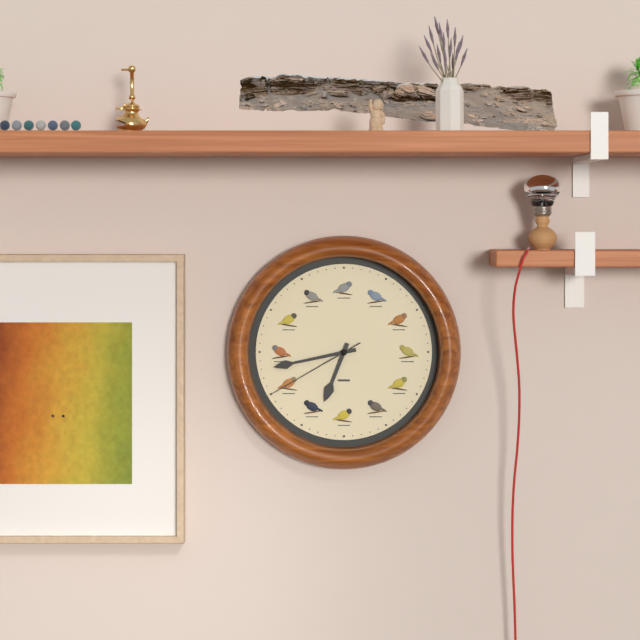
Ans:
6h43m40s
